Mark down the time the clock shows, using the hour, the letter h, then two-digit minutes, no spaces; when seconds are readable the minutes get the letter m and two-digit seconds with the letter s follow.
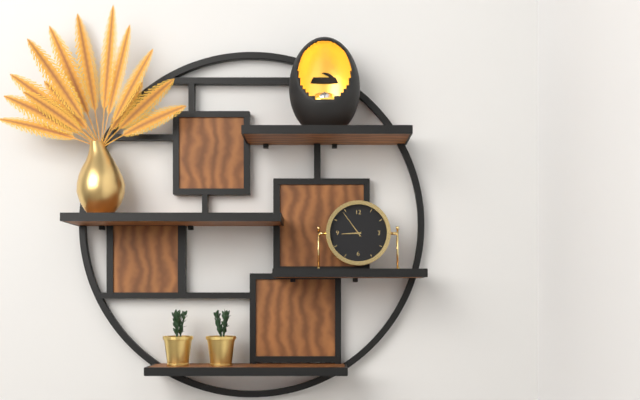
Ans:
8h54
